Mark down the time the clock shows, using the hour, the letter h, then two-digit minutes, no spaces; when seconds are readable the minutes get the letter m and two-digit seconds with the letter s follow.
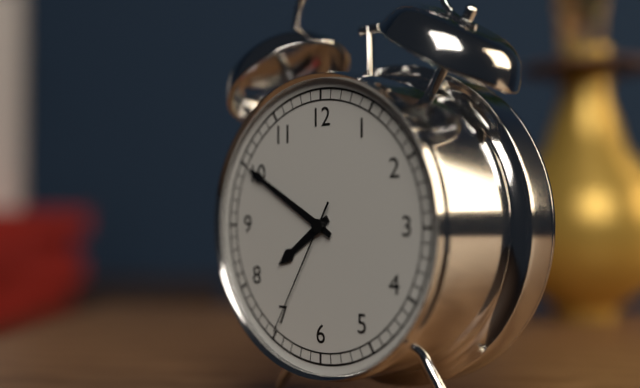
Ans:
7h50m35s
